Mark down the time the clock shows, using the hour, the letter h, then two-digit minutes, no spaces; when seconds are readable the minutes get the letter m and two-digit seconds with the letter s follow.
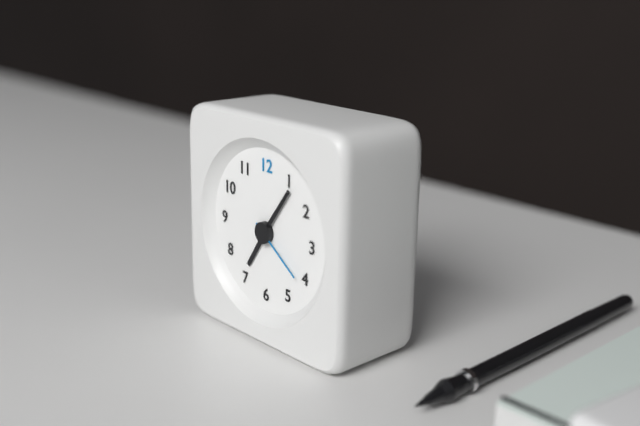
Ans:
7h06m21s
